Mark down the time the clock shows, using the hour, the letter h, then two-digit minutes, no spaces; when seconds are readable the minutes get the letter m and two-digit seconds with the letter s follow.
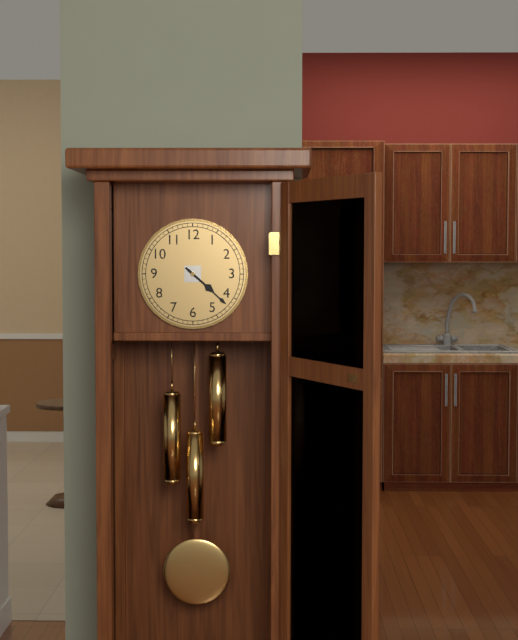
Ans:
4h22
